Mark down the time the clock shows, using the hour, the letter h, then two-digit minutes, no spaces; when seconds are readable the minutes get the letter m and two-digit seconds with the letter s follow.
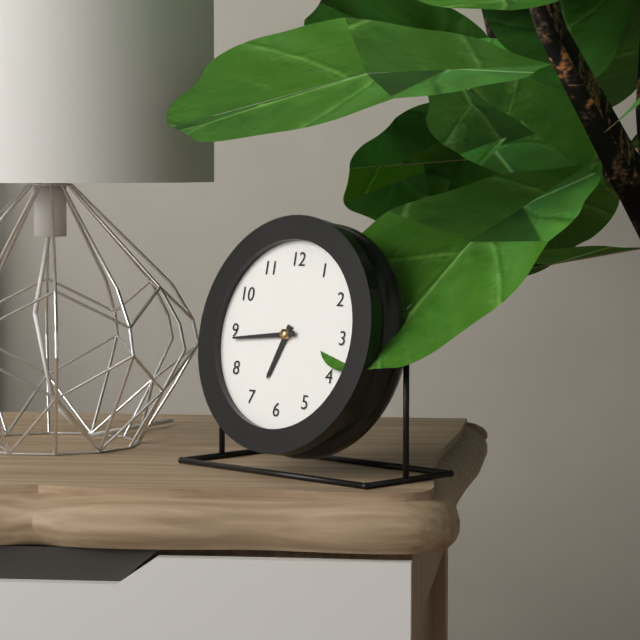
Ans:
6h44
